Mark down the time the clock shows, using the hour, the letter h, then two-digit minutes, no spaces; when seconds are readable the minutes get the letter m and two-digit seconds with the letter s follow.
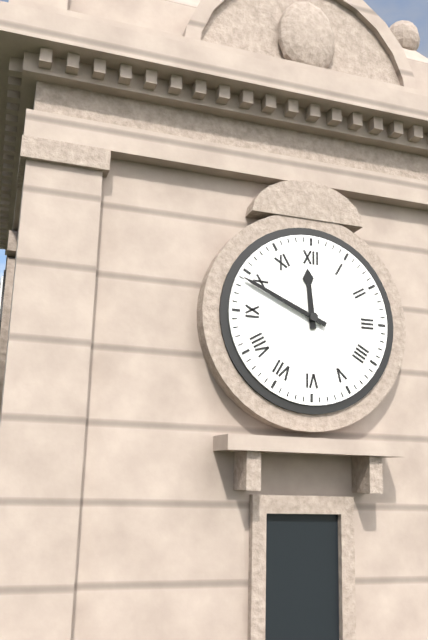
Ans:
11h49
